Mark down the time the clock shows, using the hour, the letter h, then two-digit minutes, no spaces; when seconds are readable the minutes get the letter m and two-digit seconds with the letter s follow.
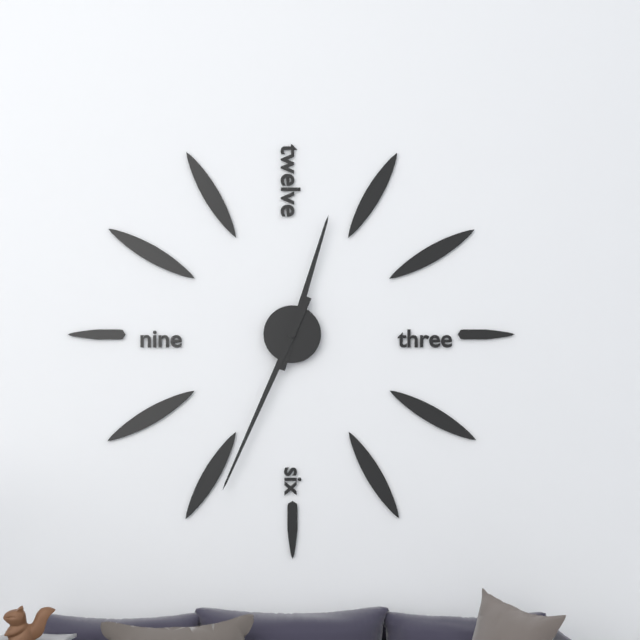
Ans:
12h34
